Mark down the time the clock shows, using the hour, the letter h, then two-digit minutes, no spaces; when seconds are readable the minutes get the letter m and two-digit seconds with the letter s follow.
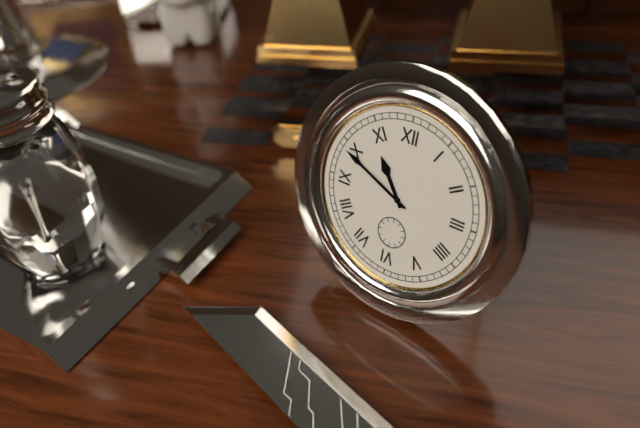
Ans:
10h49
